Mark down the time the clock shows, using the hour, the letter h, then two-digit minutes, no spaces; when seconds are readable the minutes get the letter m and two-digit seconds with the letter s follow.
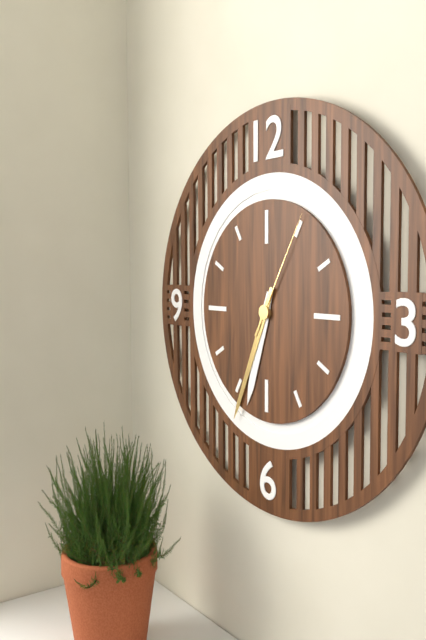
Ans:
6h34m05s
